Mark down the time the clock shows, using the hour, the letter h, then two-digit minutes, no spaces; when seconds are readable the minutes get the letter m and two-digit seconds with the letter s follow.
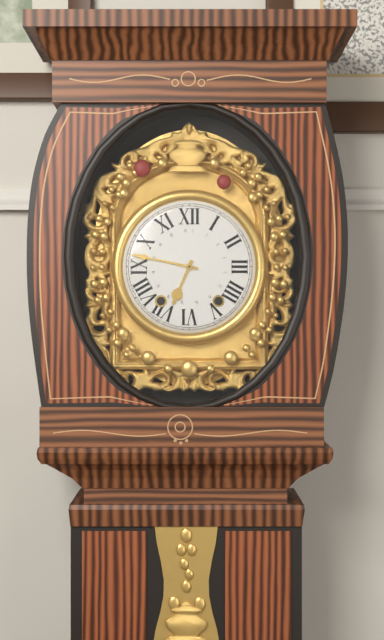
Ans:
6h47
